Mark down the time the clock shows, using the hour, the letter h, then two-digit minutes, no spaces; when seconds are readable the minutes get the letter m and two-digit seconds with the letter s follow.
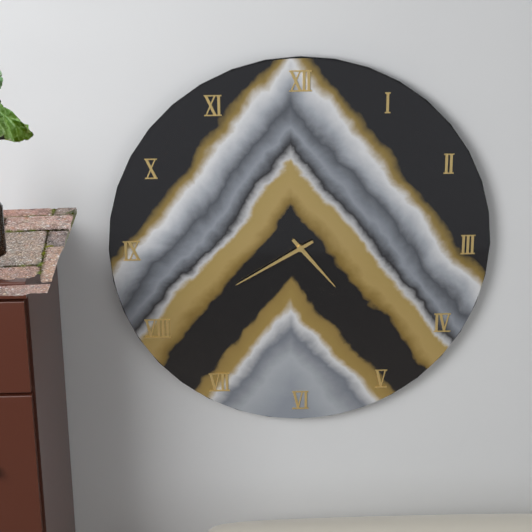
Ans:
4h40
